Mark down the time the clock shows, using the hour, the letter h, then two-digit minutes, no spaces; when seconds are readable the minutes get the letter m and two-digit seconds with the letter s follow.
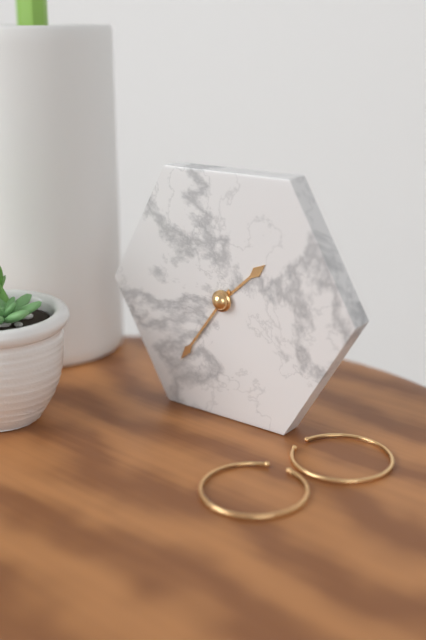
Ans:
1h36
